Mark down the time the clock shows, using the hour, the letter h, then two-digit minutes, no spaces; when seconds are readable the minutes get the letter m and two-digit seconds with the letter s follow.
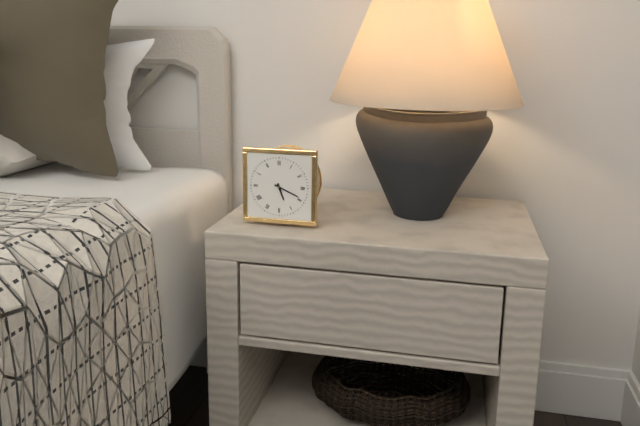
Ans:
5h19
